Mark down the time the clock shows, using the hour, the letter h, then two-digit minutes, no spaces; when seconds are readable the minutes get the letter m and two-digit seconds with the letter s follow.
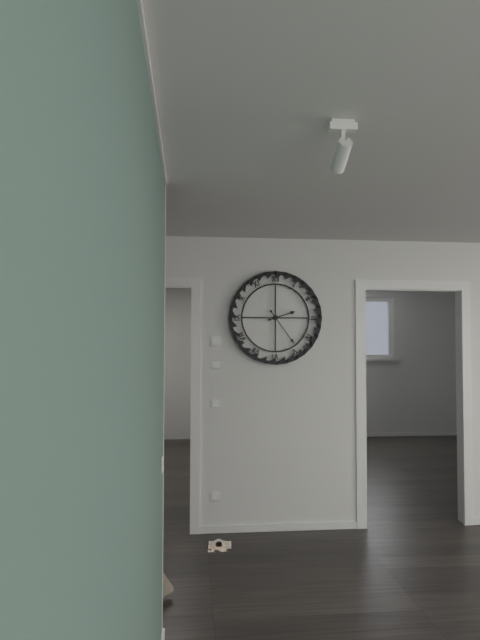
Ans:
2h24
